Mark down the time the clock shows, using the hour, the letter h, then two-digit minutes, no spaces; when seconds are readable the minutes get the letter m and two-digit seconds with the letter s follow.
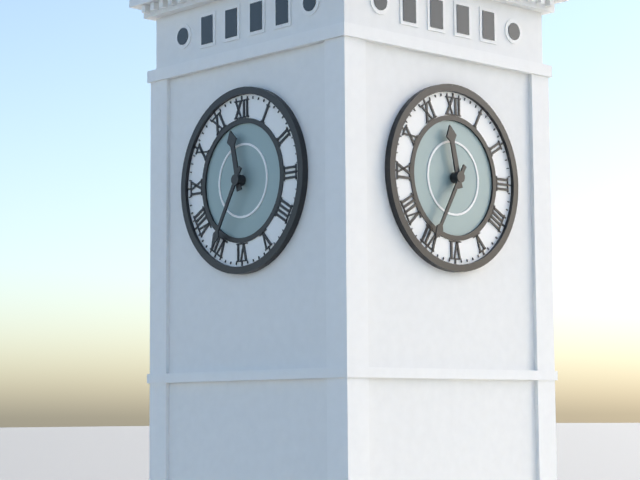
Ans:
11h35
